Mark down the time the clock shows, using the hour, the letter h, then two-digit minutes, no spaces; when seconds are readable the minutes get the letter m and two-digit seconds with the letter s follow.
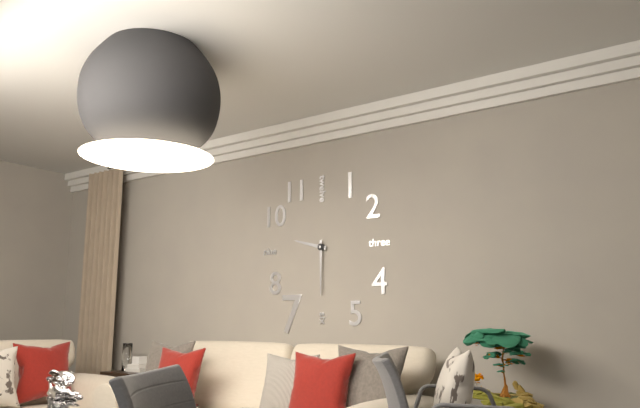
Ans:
9h30
